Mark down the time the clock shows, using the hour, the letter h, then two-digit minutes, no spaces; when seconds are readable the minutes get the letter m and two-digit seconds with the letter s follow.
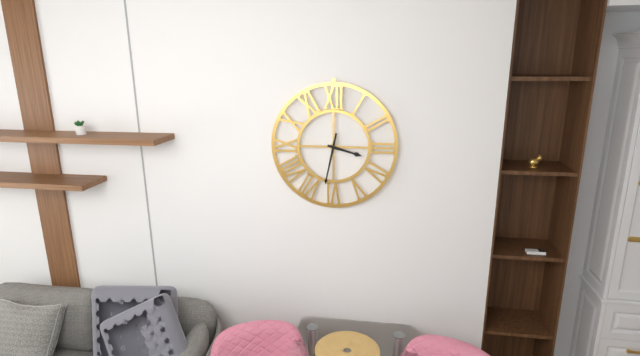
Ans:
3h32
